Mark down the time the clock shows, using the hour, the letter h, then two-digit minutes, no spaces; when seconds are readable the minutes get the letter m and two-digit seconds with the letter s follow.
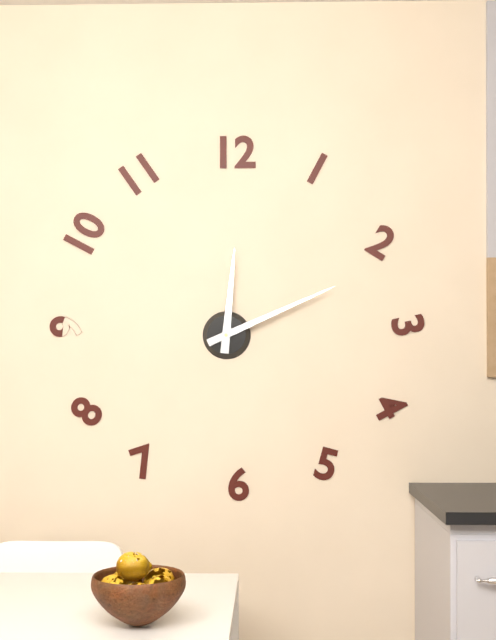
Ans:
12h11
